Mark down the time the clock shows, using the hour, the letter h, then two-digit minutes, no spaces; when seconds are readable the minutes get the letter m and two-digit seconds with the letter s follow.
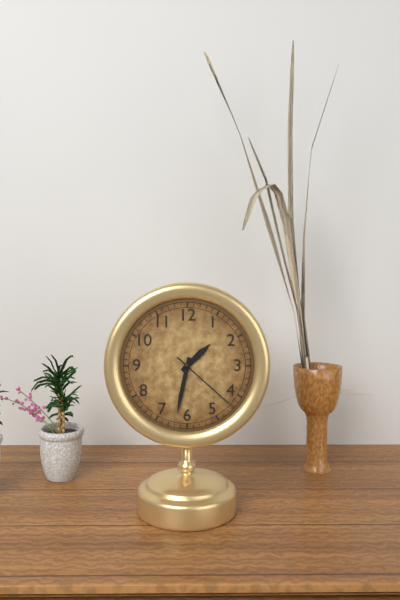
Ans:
1h32m22s
